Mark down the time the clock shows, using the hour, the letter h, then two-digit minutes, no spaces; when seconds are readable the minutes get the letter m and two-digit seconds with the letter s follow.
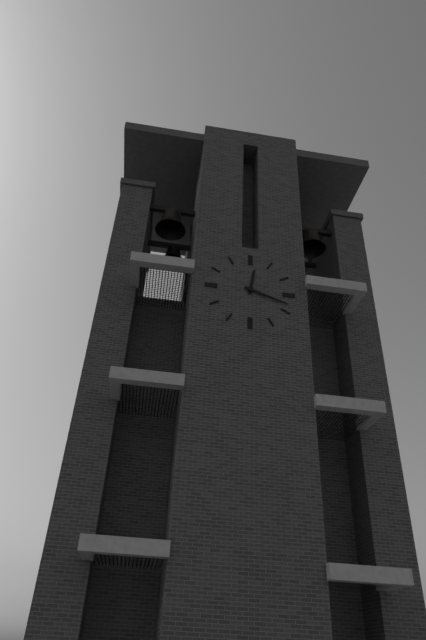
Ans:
12h18
